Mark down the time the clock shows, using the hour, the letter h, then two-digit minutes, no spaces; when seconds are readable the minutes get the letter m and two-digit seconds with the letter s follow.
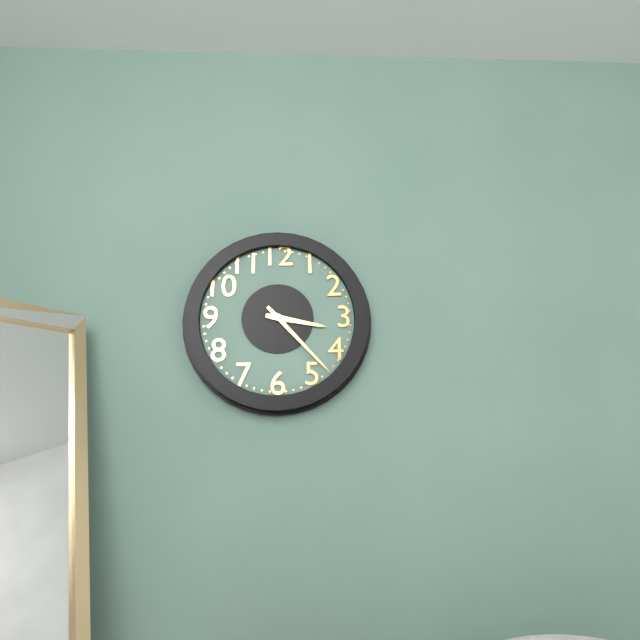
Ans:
3h23
